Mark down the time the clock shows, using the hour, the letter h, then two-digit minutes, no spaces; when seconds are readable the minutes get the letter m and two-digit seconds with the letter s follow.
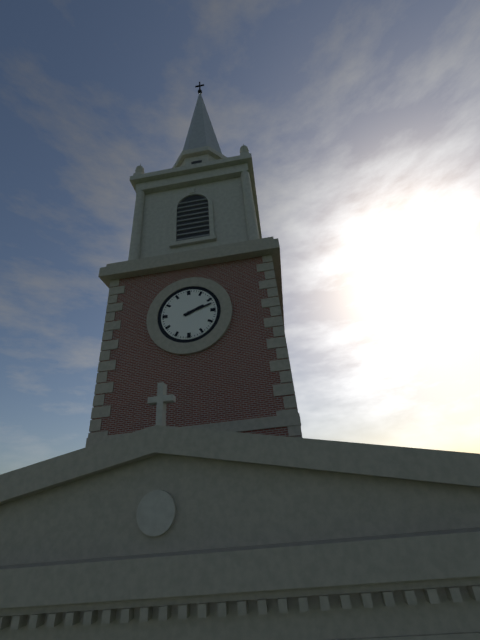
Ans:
2h12
